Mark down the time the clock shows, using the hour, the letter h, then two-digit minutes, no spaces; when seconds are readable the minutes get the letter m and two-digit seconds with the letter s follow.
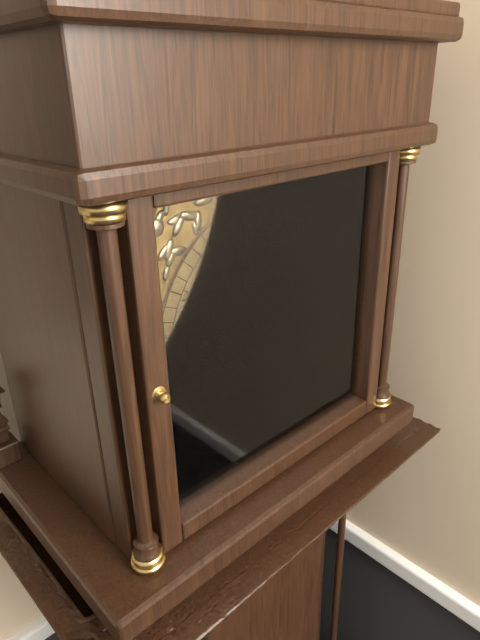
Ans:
7h53
